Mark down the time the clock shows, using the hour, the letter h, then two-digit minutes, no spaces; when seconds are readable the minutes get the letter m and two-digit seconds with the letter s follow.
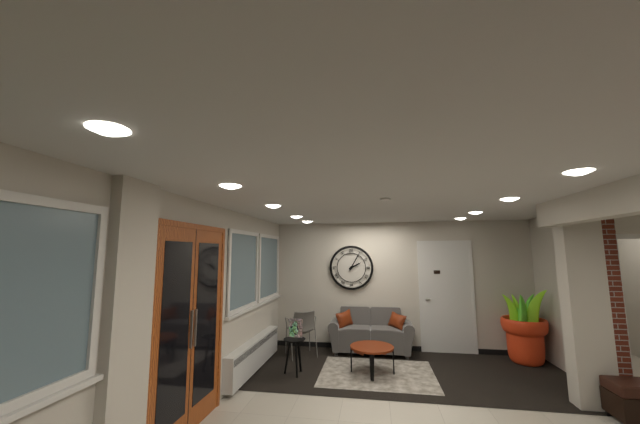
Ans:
2h05
